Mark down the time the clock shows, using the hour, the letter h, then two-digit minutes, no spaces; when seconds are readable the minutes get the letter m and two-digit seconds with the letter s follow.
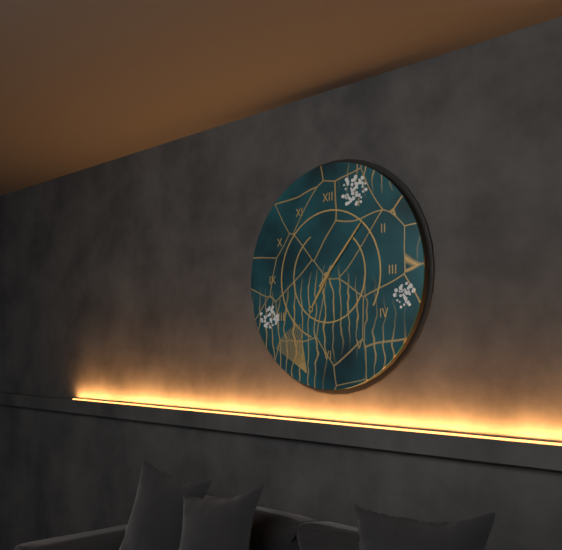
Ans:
7h07
